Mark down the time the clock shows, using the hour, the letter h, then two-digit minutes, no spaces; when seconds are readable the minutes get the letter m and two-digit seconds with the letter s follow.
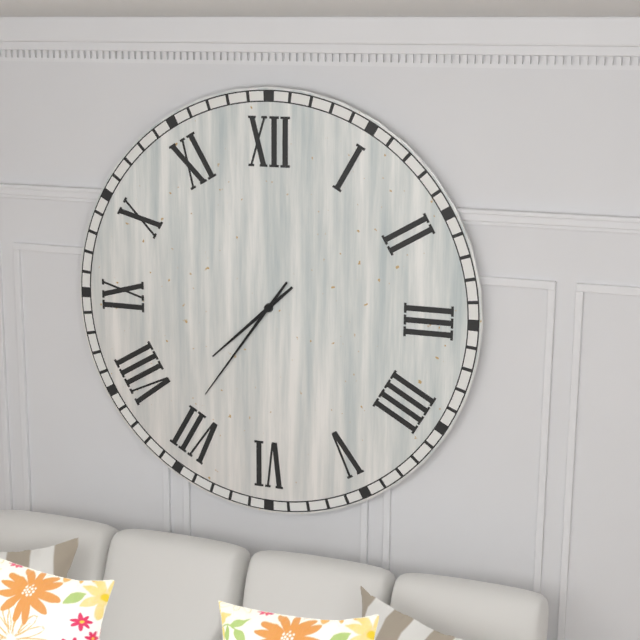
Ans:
7h36
